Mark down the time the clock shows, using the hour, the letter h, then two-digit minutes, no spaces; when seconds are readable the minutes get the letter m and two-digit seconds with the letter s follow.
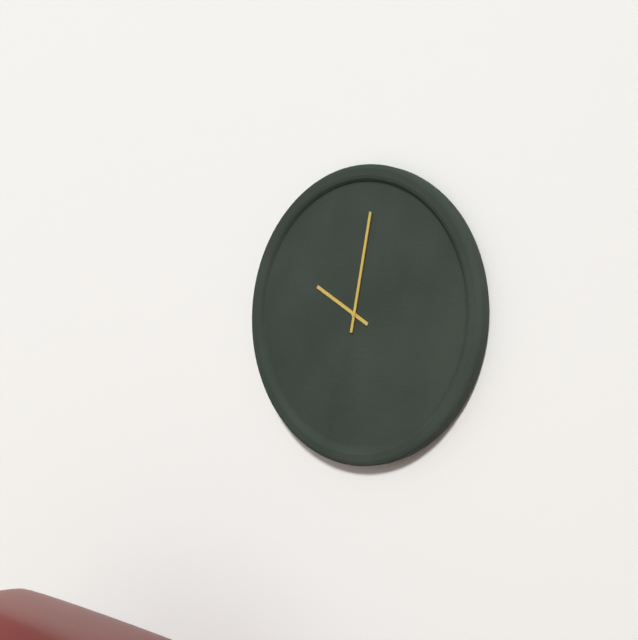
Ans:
10h02
